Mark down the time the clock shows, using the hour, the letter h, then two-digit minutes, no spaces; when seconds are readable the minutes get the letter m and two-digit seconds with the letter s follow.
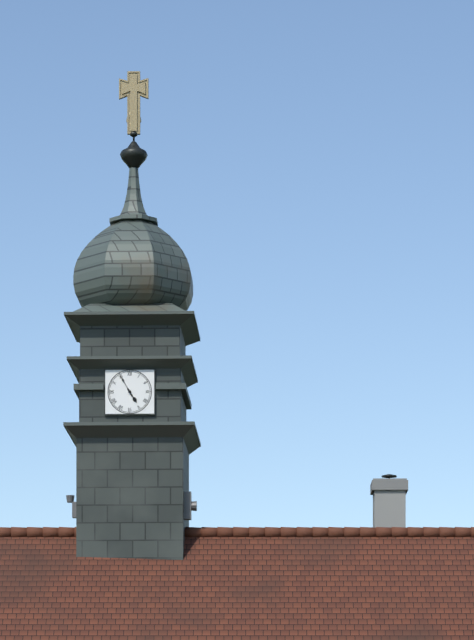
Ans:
4h55
